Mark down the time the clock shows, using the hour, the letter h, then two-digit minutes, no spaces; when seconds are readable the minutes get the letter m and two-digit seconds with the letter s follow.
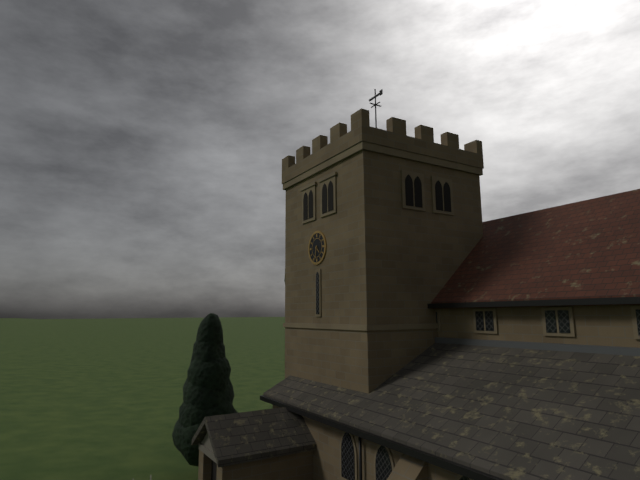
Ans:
4h32
